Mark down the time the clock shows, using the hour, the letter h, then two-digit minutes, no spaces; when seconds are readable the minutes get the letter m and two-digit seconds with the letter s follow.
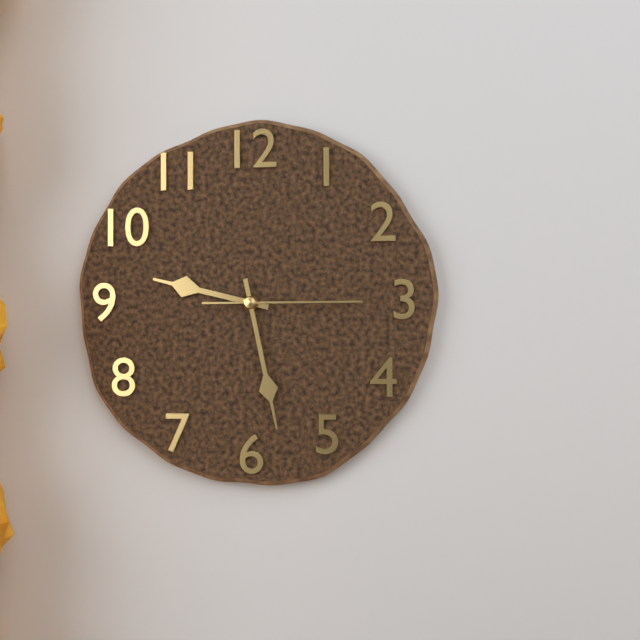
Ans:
9h28m15s
